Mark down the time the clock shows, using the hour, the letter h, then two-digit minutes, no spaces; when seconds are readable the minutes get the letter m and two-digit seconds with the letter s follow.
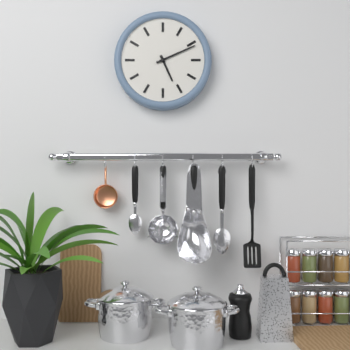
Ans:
5h11
